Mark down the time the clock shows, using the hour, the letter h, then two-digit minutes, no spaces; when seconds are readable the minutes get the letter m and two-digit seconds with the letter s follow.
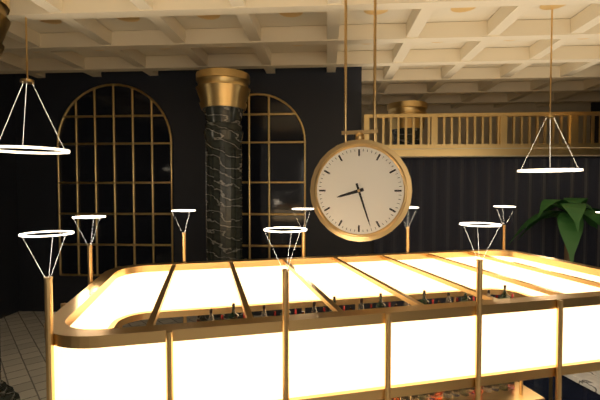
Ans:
8h27
